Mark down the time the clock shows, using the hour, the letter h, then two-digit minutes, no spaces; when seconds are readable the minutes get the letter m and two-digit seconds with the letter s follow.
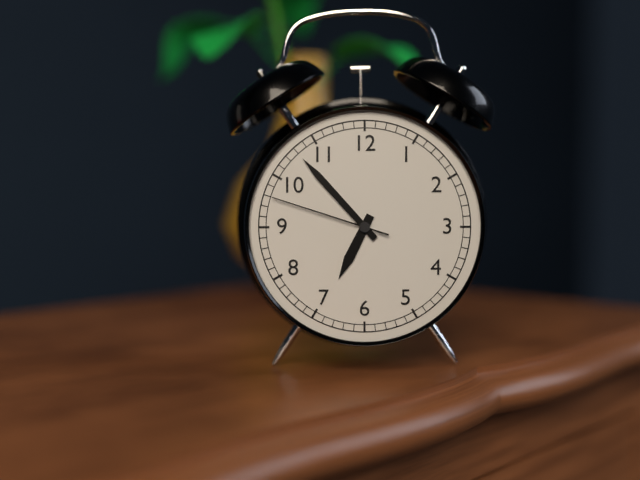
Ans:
6h53m48s
